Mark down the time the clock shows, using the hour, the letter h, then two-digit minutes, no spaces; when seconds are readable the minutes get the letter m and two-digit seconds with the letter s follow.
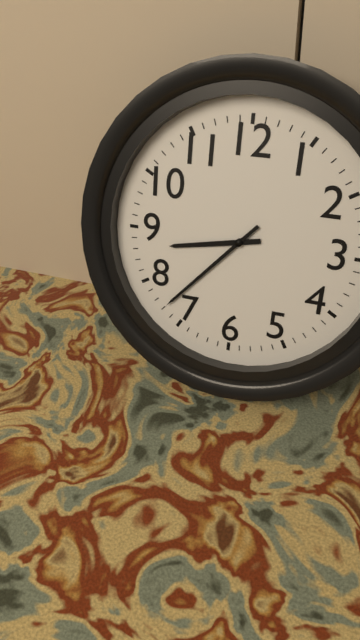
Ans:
8h37
